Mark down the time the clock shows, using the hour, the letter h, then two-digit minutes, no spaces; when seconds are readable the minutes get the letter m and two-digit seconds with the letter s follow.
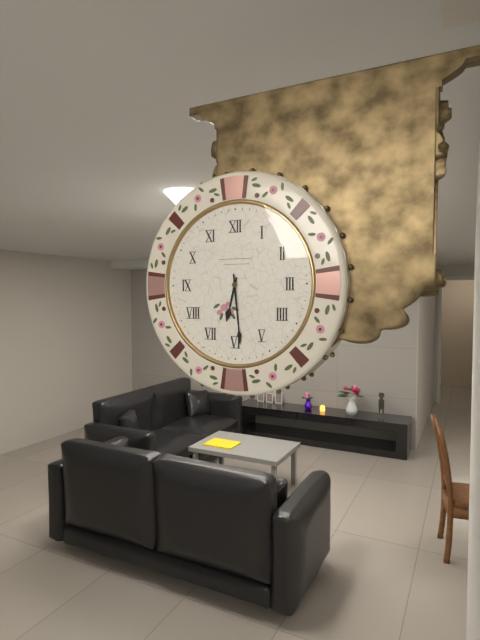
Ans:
6h29
